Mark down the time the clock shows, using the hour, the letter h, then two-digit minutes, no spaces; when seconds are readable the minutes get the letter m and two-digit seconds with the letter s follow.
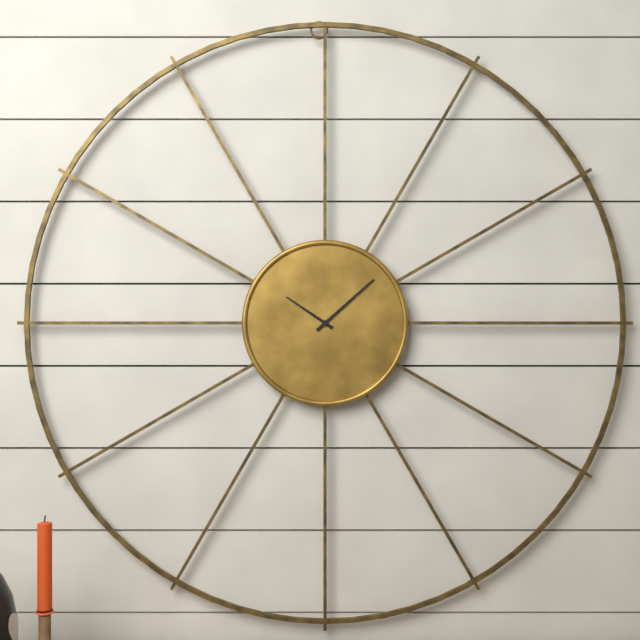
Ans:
10h08
